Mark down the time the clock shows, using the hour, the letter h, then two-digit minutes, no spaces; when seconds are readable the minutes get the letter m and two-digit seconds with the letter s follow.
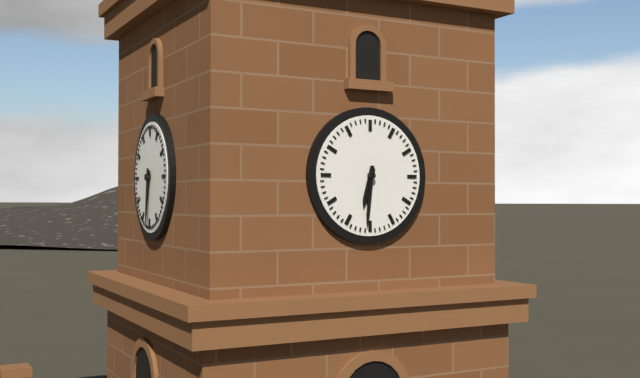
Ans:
6h31
